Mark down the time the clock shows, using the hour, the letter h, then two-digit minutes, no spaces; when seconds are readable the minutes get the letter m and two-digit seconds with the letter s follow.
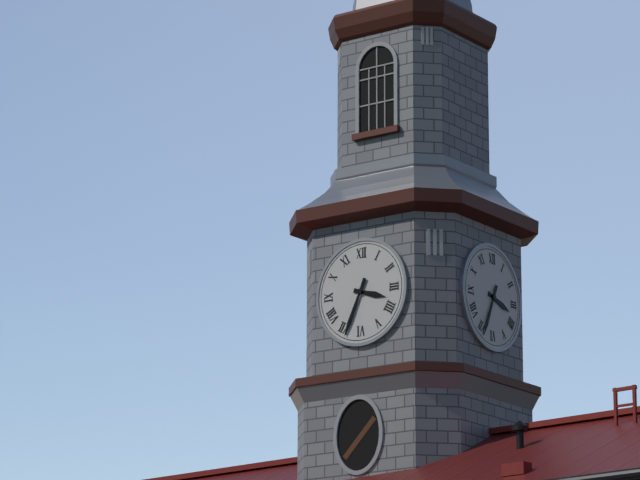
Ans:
3h34
